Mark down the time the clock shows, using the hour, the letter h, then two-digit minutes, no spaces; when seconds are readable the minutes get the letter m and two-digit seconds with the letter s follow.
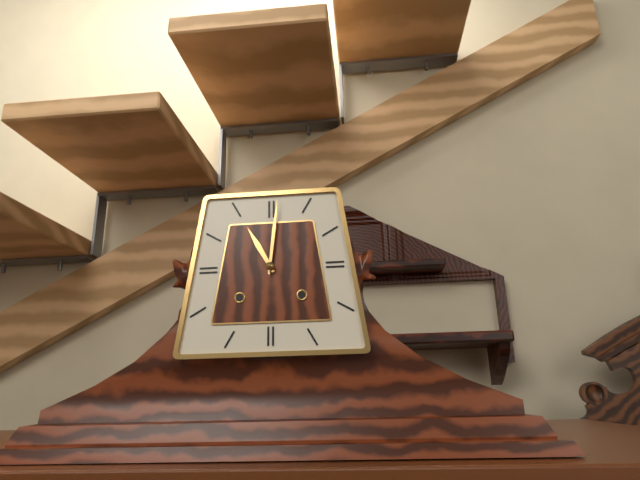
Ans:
11h01
